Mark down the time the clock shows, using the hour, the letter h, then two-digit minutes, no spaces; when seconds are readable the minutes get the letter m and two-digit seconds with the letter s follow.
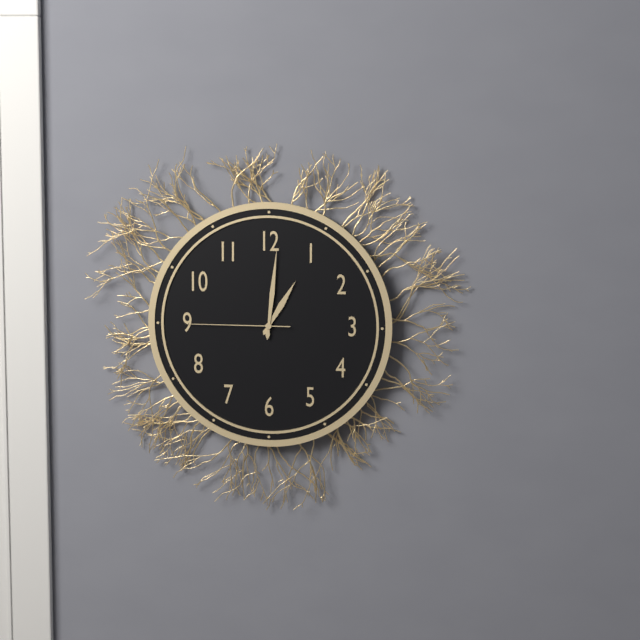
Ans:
1h01m45s
